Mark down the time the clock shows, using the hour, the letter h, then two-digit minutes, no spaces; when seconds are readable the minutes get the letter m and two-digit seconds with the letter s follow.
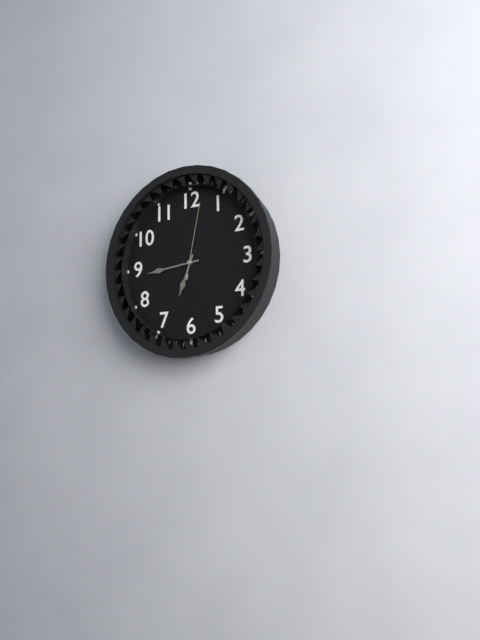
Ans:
6h44m02s
